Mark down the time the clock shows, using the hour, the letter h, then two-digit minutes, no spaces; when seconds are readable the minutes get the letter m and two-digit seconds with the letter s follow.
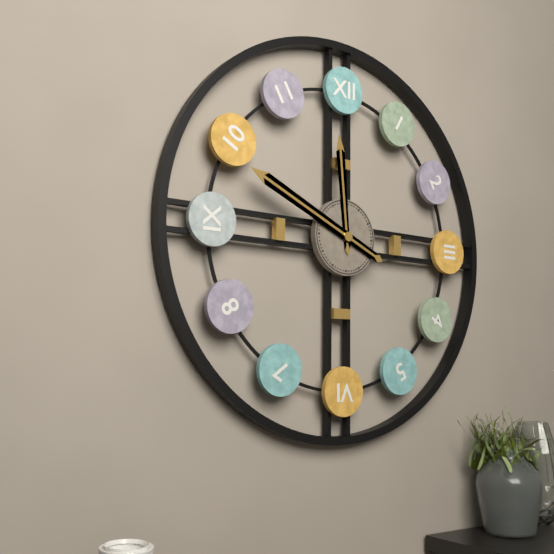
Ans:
11h49
